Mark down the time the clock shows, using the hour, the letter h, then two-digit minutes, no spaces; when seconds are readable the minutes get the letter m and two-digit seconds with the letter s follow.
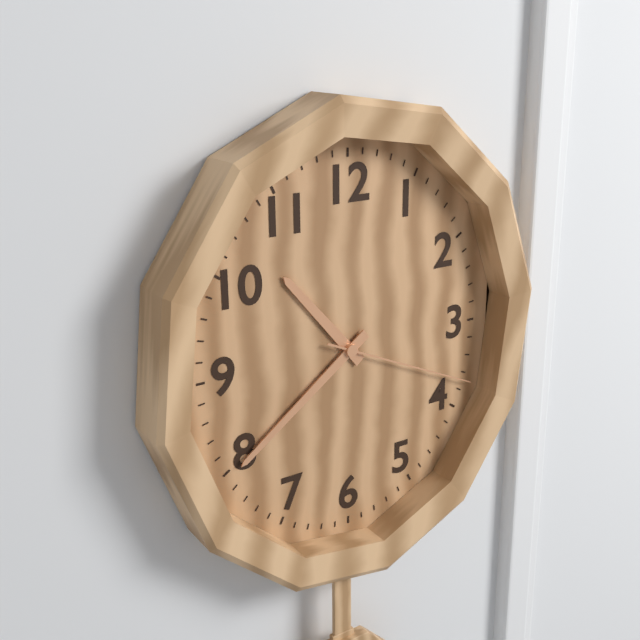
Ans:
10h39m19s
